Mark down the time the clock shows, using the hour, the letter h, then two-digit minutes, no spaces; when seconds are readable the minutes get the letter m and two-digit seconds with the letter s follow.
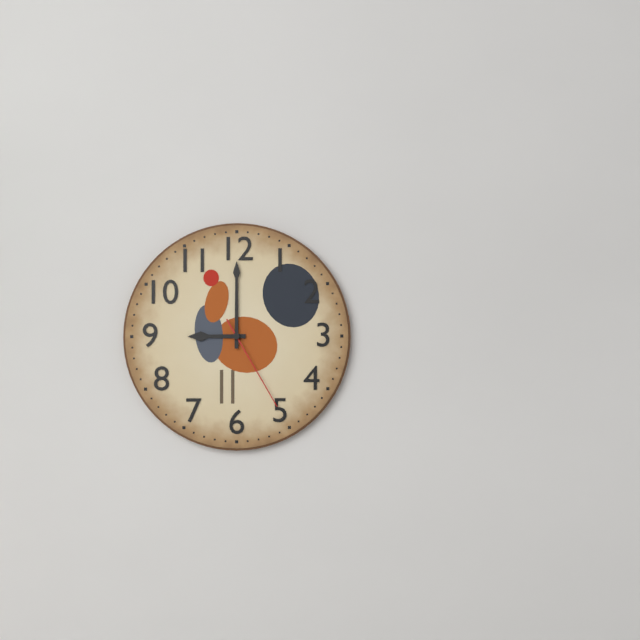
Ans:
9h00m25s
